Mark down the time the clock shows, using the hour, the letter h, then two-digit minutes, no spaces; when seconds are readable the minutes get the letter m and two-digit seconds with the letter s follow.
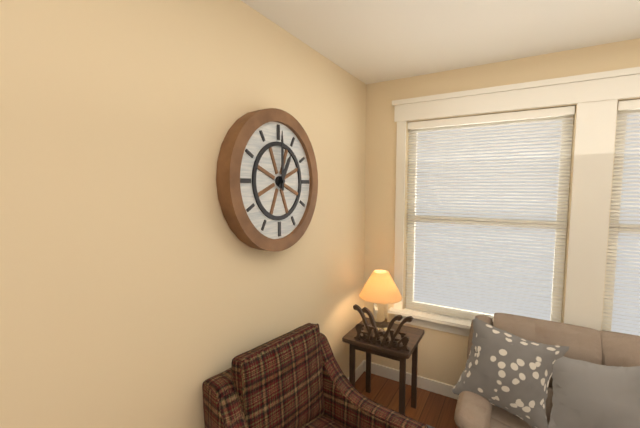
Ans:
1h00
